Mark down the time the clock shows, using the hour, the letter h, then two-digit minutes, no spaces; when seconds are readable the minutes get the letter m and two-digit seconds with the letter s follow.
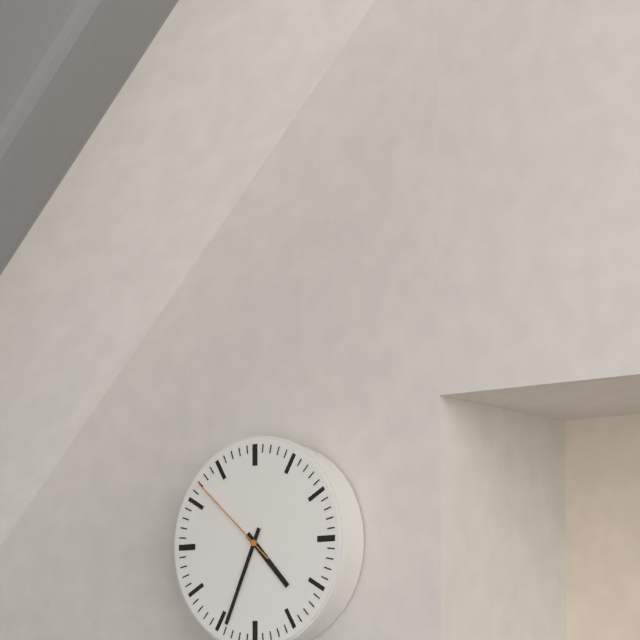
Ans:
4h34m52s
